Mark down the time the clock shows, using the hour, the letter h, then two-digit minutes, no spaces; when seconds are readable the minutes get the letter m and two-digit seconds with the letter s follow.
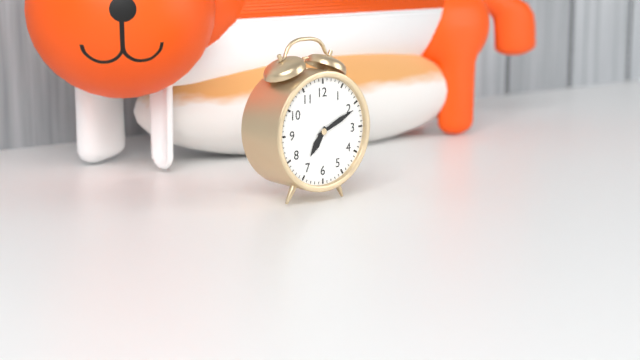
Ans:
7h11
